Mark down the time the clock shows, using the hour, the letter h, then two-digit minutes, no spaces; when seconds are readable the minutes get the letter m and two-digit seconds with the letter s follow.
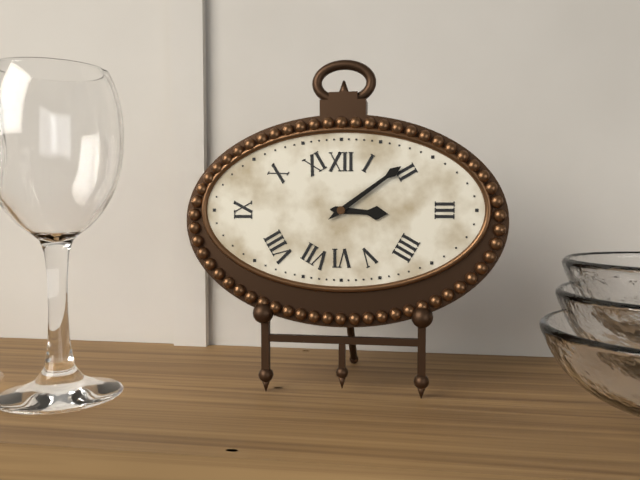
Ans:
3h09
